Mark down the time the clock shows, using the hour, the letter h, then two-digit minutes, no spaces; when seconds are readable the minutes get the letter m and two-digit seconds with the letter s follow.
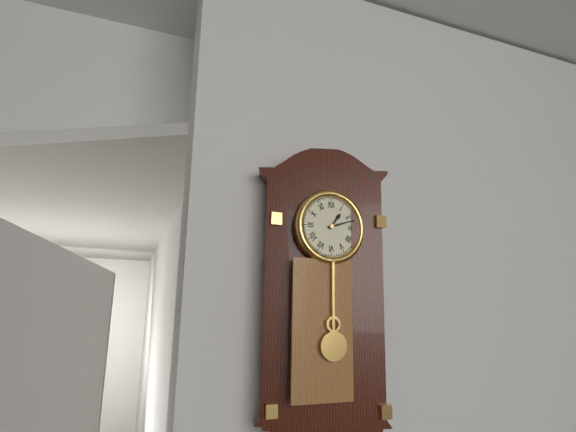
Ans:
1h12
